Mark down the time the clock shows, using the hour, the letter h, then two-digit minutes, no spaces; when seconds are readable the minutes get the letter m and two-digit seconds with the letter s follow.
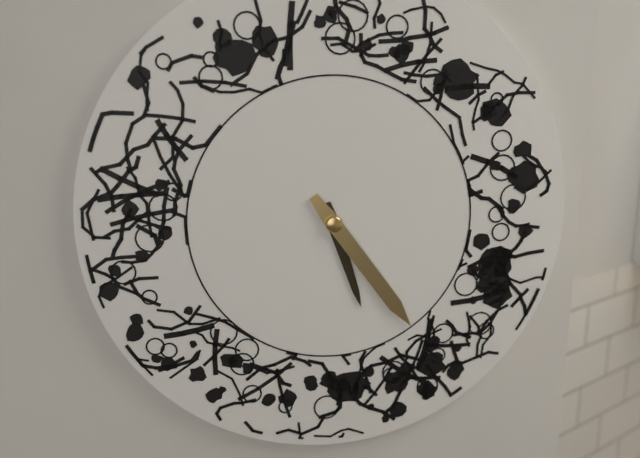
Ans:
5h24
